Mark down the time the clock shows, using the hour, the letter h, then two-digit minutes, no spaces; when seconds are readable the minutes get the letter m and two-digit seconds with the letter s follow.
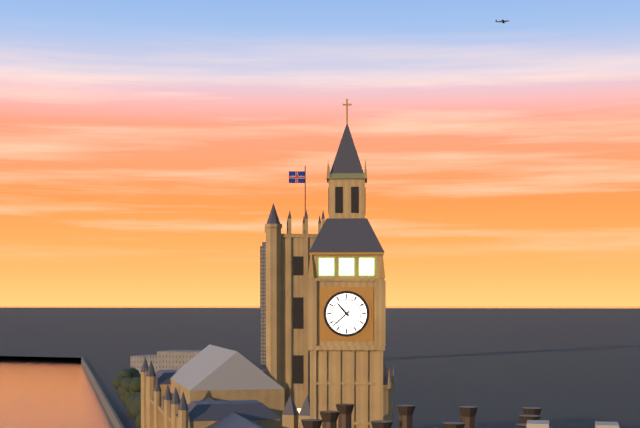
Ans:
10h38
